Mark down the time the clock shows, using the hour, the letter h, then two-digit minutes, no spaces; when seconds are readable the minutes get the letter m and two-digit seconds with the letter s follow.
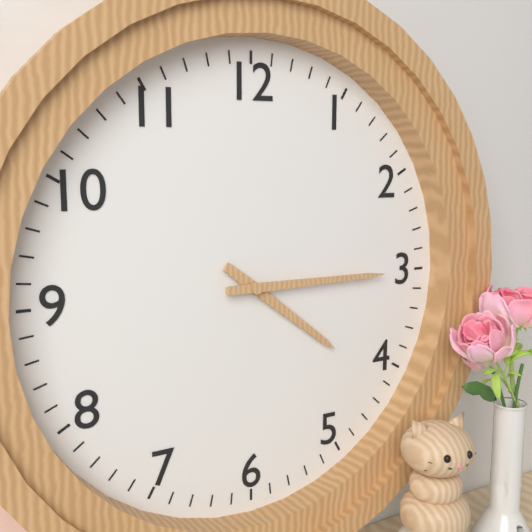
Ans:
4h15
